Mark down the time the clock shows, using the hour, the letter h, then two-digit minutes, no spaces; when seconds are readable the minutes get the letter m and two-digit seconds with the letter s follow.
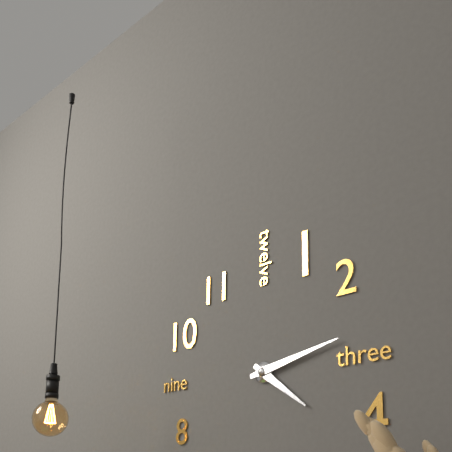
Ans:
4h13
